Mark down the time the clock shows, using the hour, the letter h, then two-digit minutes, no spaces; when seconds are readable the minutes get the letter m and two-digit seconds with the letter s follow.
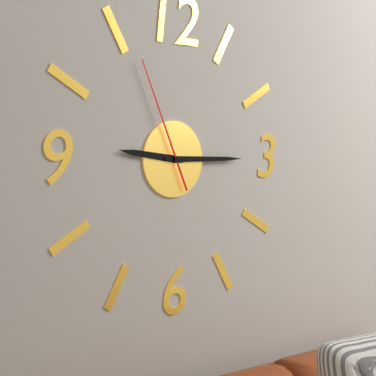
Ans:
9h15m56s
